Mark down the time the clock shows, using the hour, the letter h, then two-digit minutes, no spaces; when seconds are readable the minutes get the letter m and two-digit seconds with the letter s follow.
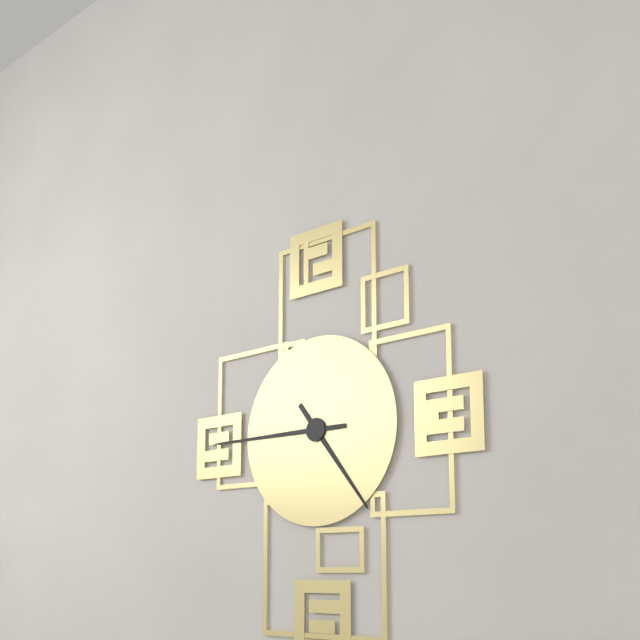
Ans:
4h45
